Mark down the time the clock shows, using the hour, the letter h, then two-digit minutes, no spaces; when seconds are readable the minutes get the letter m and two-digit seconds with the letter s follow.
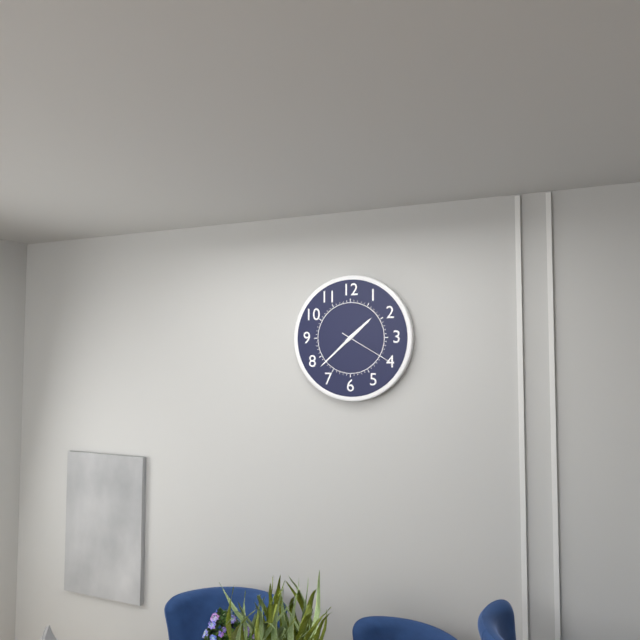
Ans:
1h38m20s
